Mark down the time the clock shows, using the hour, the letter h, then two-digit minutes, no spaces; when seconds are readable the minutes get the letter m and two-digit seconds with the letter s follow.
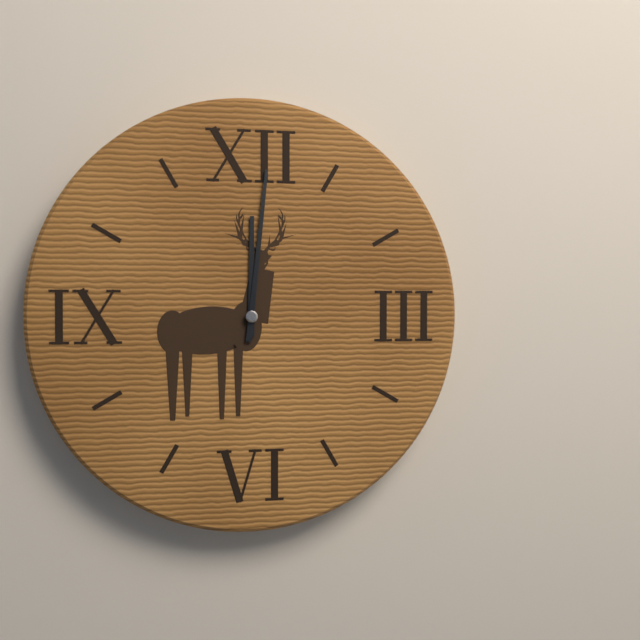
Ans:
12h01
